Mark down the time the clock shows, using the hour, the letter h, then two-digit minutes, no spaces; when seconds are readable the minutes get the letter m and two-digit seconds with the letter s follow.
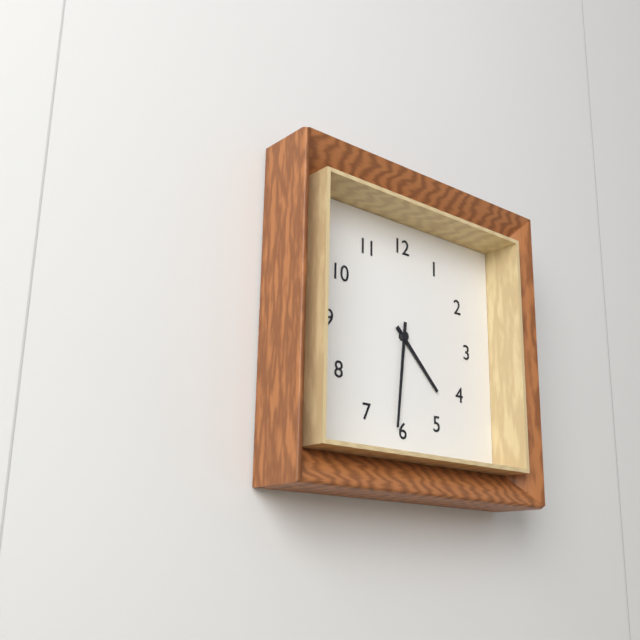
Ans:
4h31
